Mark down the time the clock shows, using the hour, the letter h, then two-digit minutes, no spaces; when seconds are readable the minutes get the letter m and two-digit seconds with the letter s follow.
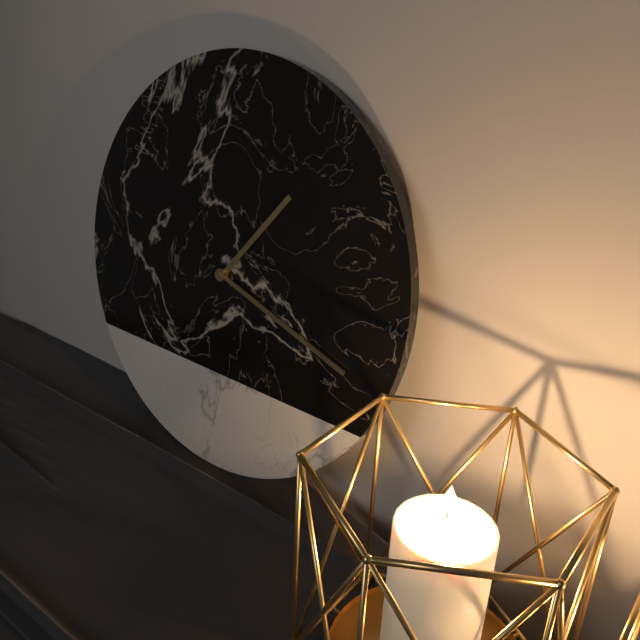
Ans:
1h18
